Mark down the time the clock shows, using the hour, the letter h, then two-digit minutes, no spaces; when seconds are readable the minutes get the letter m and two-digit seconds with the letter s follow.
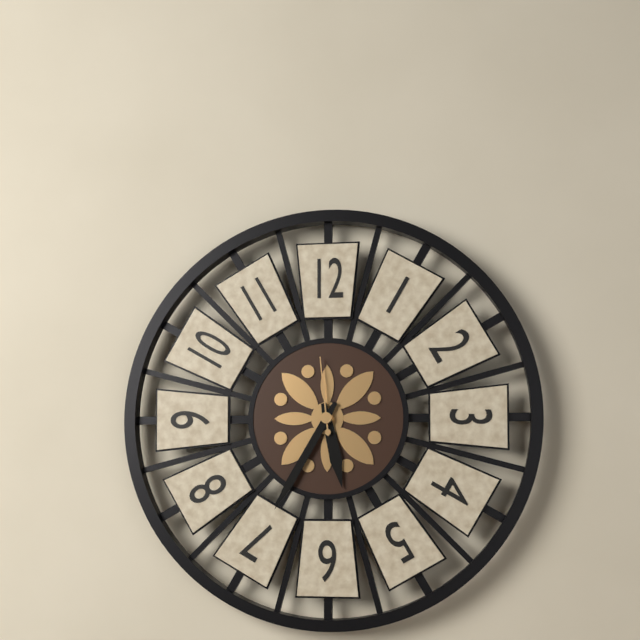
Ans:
5h35m59s
